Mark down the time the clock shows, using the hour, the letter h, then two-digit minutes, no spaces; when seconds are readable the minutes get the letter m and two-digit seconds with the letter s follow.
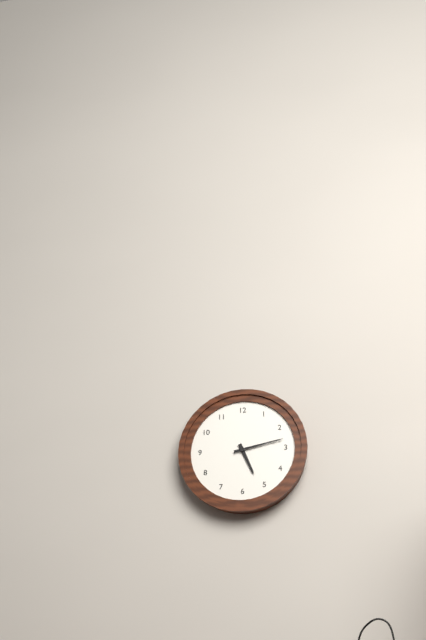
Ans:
5h13
